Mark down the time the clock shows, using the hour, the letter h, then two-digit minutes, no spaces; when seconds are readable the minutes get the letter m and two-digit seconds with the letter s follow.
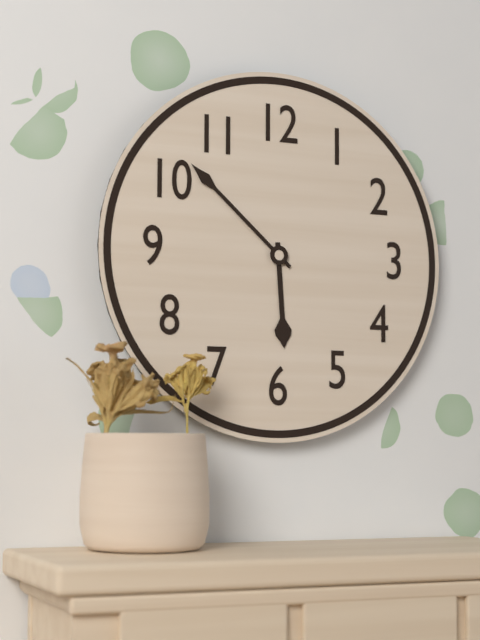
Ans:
5h52
